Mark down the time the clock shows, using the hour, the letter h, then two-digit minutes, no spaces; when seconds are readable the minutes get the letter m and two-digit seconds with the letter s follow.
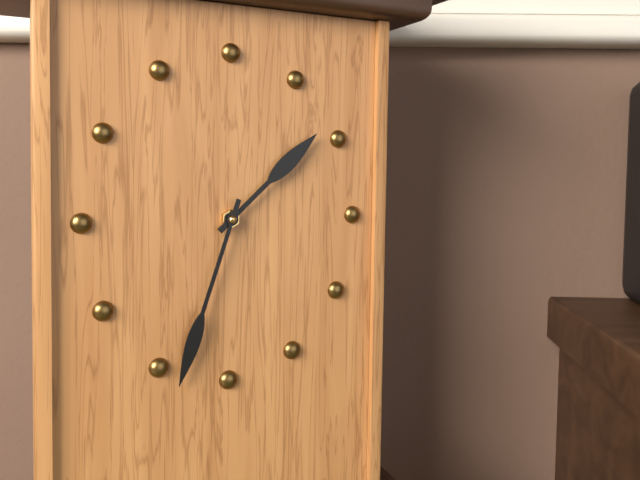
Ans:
1h33
